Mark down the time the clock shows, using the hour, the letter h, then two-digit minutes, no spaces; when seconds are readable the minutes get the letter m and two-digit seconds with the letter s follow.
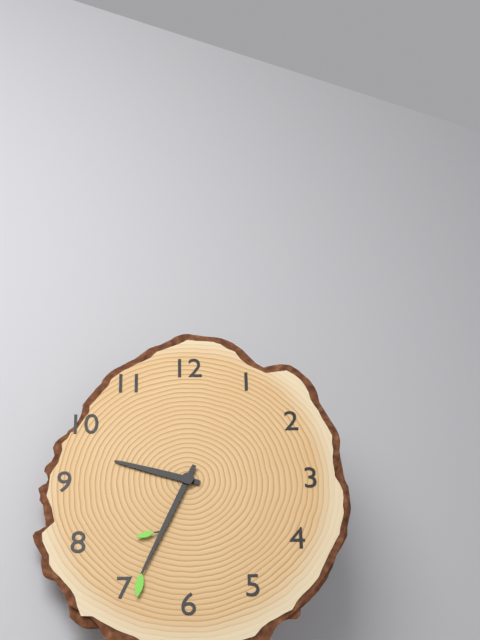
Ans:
9h34
